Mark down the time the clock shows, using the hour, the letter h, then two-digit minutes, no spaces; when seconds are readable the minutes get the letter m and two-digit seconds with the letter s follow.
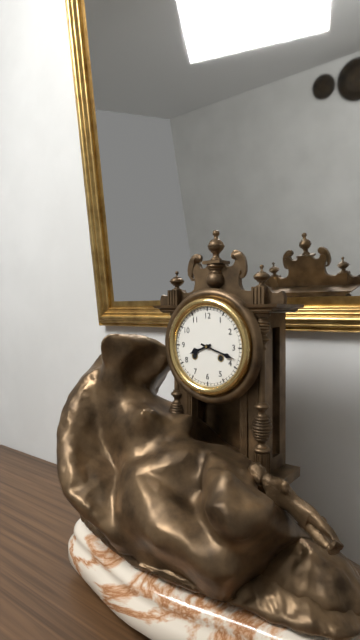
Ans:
8h18
